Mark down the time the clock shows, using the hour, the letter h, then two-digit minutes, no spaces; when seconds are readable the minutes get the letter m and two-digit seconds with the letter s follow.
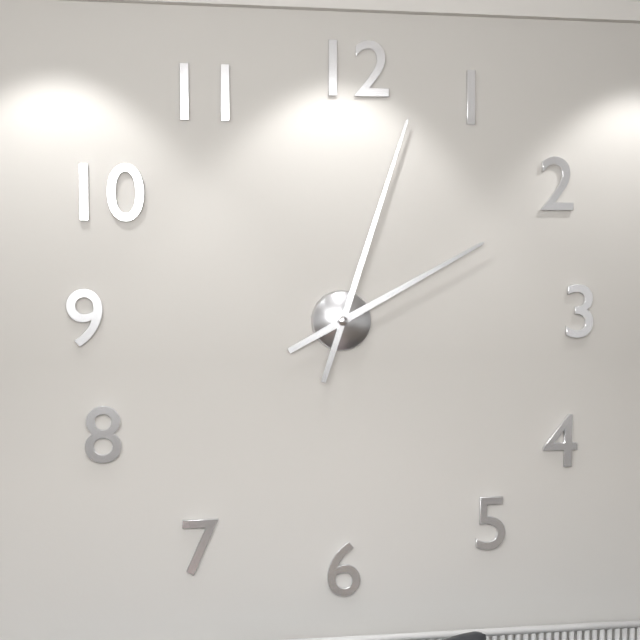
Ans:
2h03
